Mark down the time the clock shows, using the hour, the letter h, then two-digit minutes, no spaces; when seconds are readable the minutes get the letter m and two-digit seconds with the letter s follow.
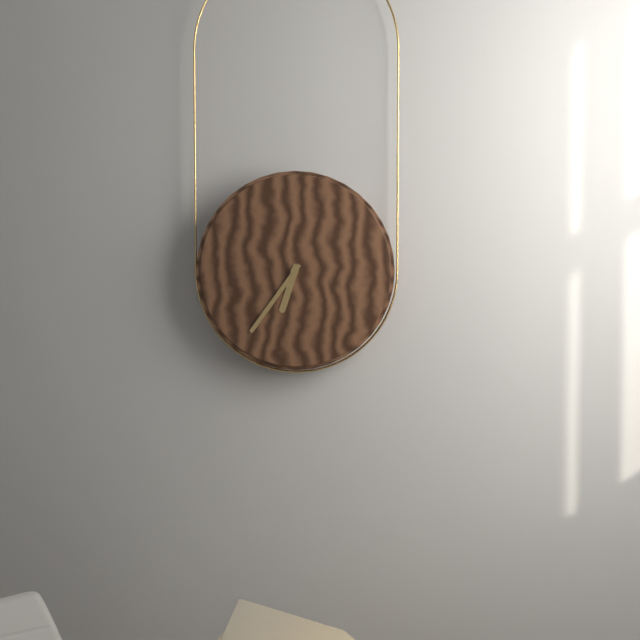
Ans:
6h36
